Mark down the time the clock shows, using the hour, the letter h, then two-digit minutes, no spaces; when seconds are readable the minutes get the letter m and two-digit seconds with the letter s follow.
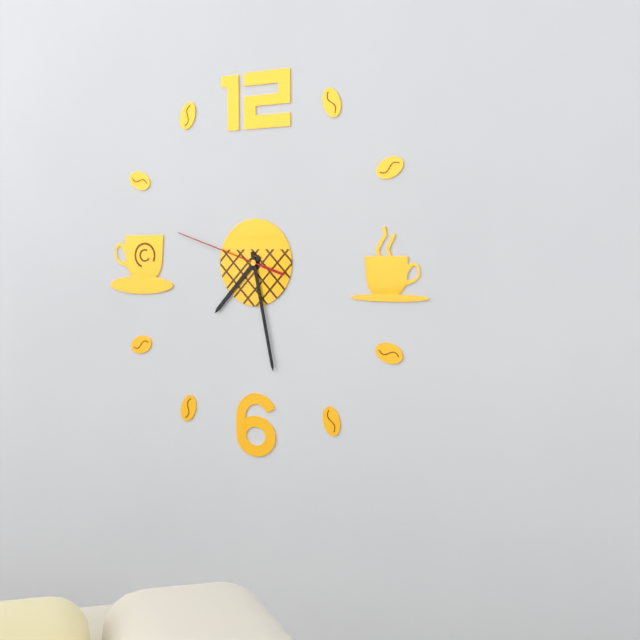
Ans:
7h28m48s
